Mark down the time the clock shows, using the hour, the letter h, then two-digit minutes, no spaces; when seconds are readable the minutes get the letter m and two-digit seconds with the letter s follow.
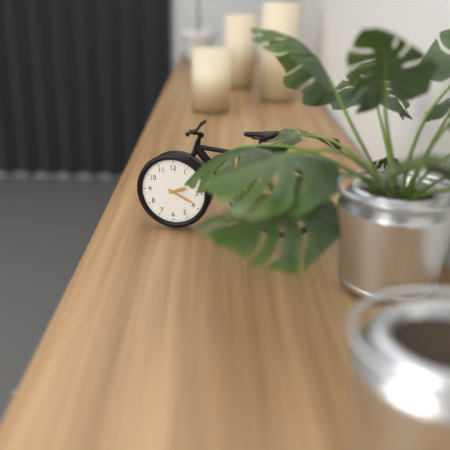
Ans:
2h19
